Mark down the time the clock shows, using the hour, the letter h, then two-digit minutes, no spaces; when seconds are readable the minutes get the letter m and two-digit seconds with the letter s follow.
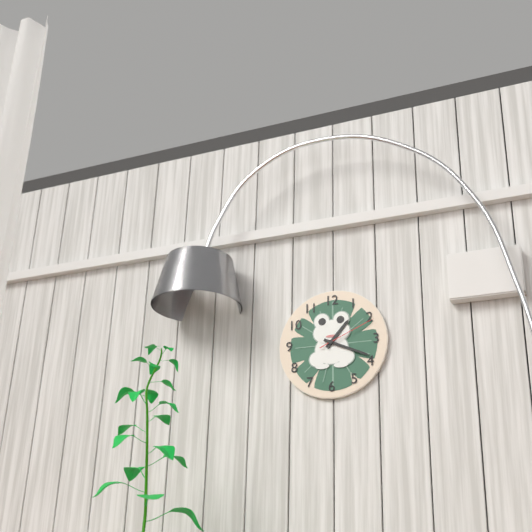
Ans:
1h19m11s
